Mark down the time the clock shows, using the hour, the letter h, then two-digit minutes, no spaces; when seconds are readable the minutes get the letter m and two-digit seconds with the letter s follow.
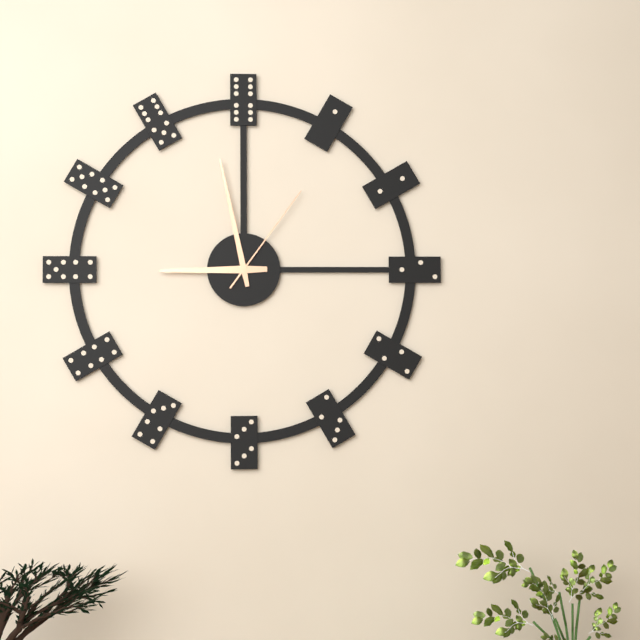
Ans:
8h58m06s
